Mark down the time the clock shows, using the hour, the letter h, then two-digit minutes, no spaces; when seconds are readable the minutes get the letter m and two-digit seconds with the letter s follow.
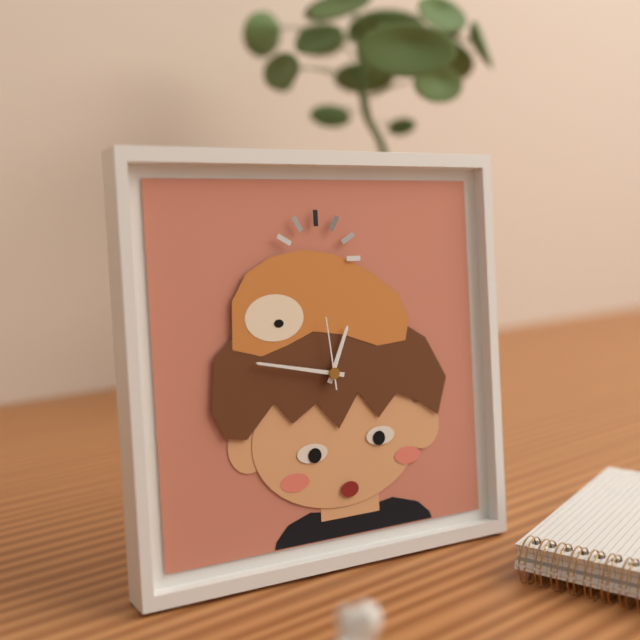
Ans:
12h47m59s
